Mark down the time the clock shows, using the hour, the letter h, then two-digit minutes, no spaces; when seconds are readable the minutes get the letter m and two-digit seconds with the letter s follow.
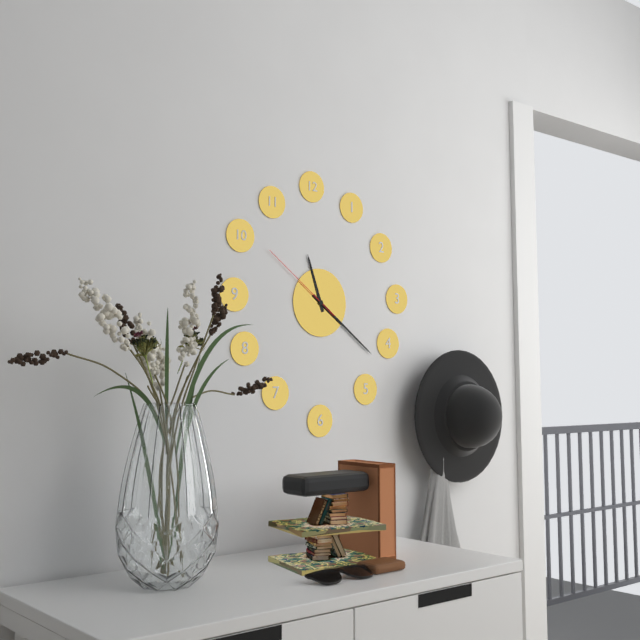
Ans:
11h21m51s
